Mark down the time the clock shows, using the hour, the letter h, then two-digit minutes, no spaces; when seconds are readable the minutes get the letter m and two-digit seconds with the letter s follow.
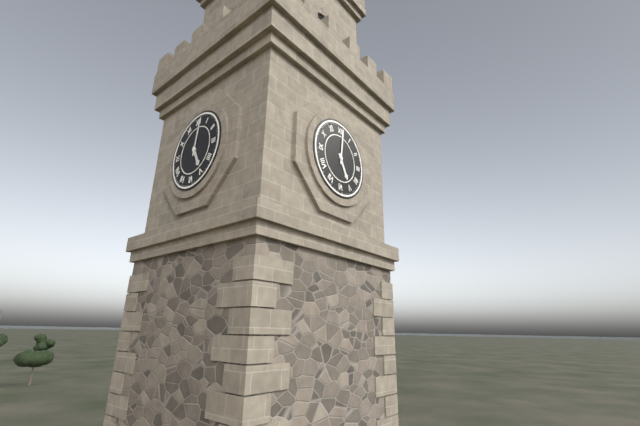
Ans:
5h01
